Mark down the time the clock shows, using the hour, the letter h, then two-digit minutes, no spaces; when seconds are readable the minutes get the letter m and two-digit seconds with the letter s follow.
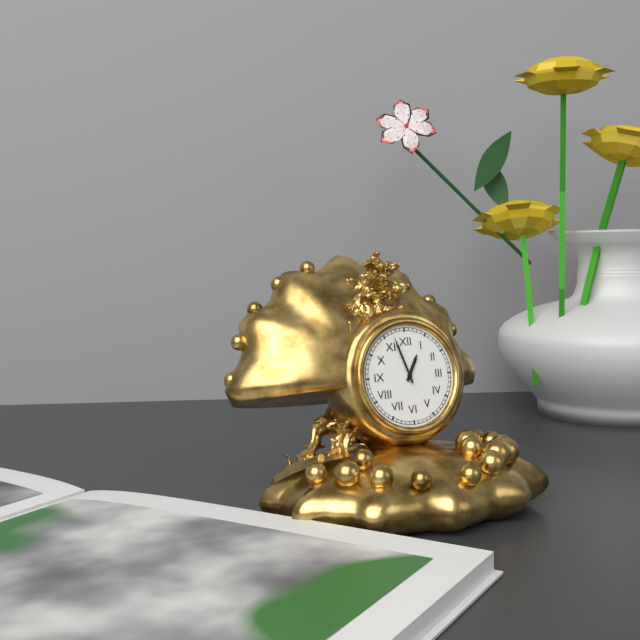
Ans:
12h57
